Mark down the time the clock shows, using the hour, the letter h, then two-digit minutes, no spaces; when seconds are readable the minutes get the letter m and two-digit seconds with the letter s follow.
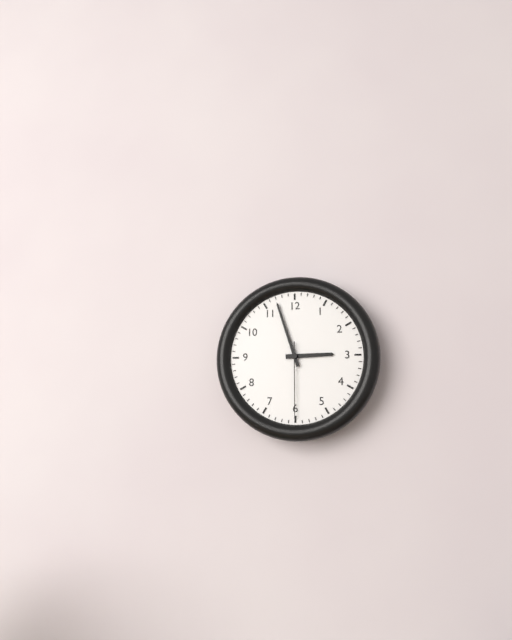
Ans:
2h57m30s
